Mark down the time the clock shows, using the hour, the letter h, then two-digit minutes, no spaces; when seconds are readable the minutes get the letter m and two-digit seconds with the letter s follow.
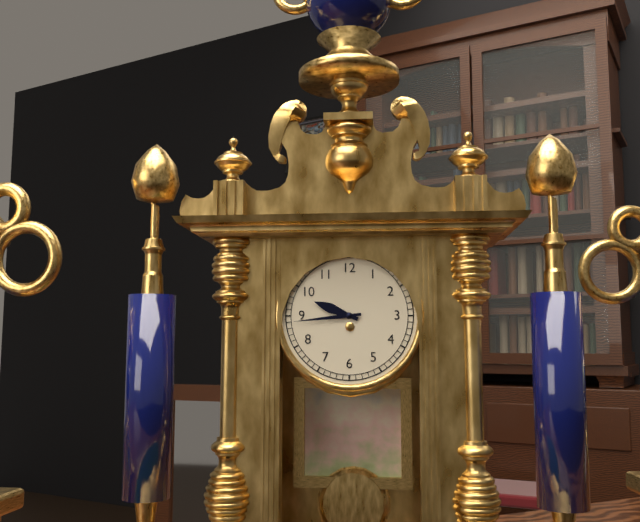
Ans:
9h44
